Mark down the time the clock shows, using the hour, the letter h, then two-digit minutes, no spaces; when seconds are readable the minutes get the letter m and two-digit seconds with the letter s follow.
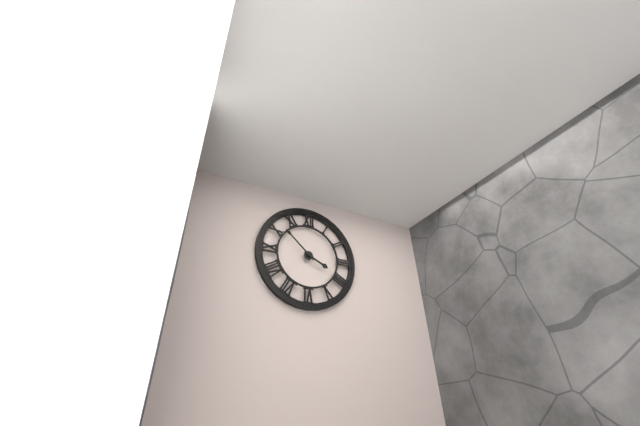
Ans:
3h52
